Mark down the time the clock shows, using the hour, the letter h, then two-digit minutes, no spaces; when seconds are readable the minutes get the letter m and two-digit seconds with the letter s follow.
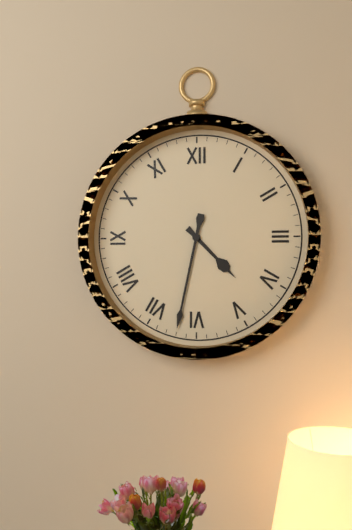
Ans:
4h32
